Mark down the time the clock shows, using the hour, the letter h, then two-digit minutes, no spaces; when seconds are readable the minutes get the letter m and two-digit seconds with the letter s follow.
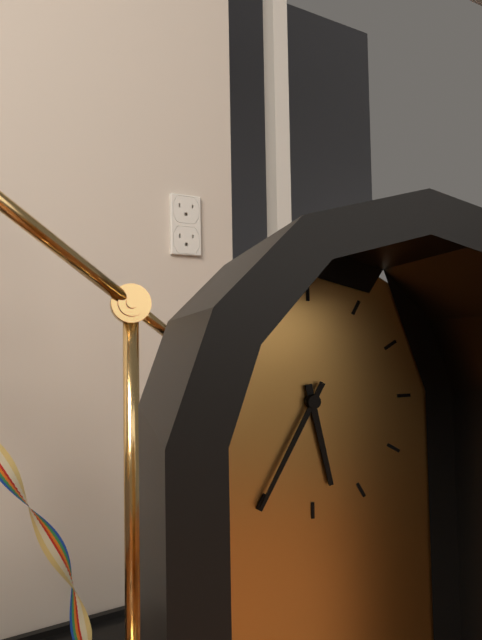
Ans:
5h35
